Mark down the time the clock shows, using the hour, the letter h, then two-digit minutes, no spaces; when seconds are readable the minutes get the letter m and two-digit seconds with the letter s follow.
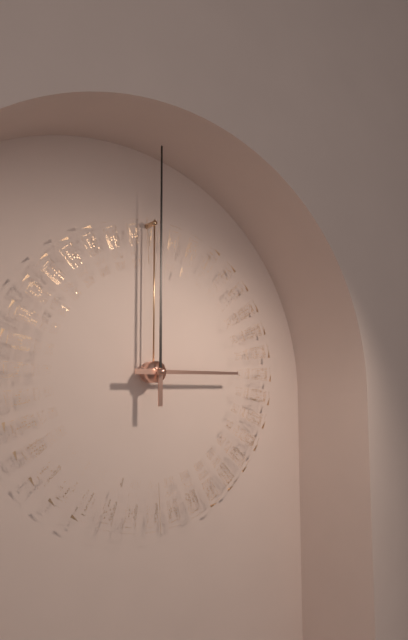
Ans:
3h00
